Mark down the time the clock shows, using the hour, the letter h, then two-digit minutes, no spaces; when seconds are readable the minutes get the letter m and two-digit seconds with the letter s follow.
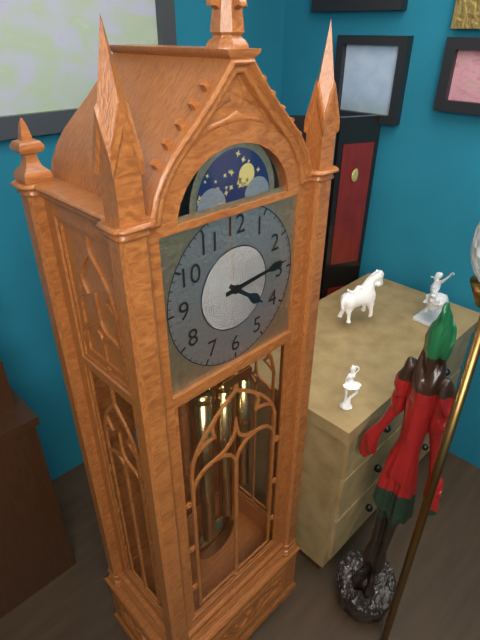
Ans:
4h14
